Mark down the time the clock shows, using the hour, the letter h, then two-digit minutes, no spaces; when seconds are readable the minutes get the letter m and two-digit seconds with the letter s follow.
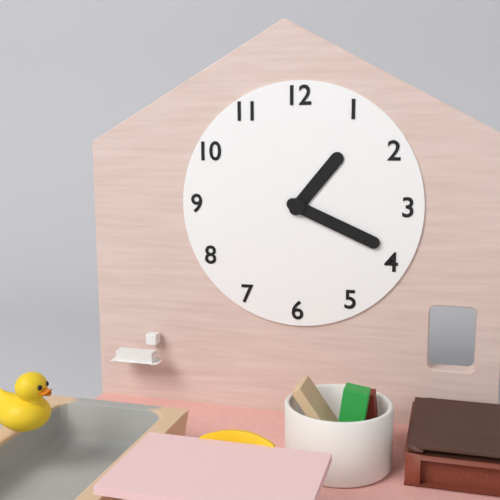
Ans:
1h19
